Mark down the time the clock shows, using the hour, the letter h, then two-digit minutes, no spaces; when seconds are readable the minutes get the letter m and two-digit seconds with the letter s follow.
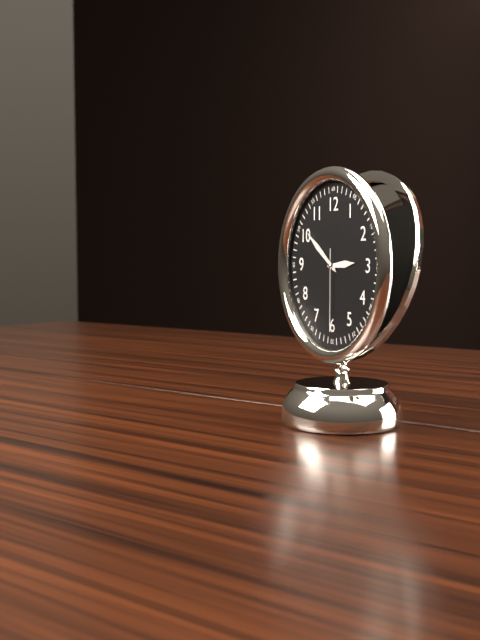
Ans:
2h51m30s
